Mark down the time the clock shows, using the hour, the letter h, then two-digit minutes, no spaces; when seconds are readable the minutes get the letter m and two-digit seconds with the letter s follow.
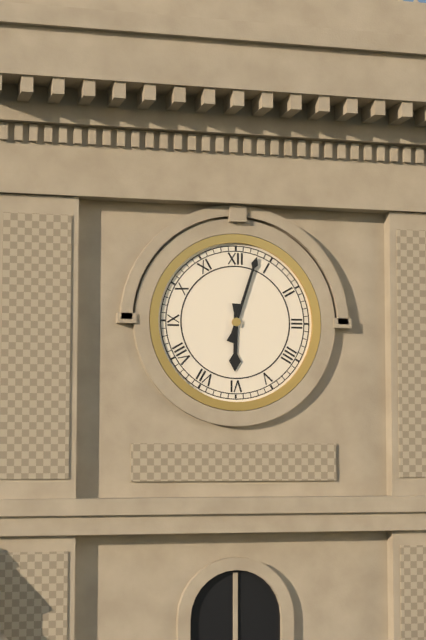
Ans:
6h03
